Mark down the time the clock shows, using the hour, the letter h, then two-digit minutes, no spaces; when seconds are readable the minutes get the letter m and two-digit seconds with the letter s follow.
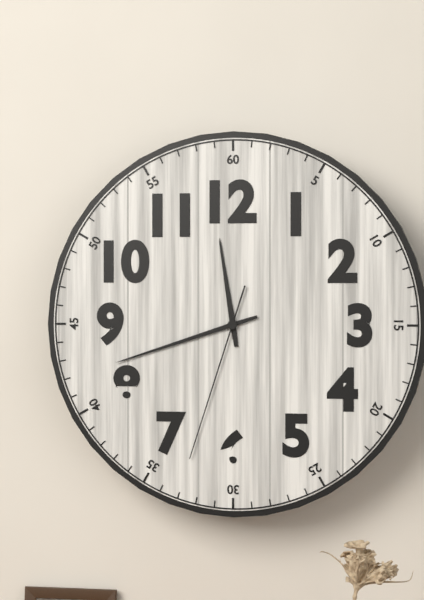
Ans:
11h42m33s
